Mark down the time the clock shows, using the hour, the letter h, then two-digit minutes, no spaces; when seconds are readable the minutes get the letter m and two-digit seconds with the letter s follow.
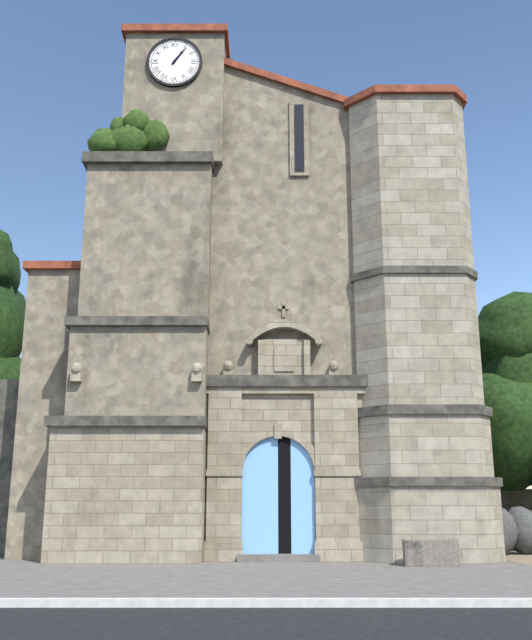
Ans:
1h06
